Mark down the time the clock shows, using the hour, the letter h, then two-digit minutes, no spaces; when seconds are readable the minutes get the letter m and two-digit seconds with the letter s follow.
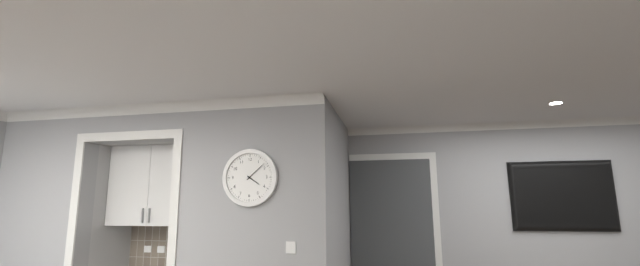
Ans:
4h08
